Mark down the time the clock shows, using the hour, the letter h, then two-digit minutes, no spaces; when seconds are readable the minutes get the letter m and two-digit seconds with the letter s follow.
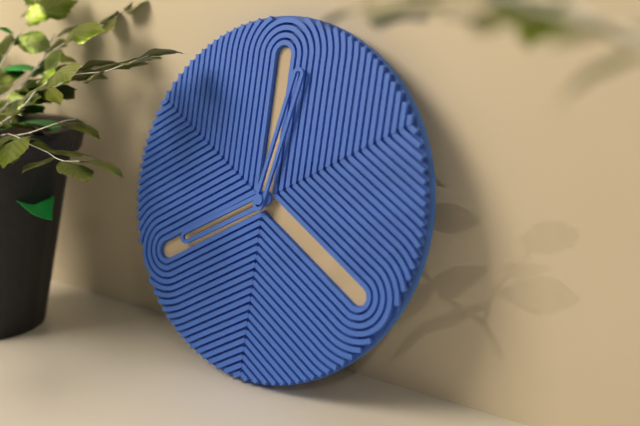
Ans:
8h02
